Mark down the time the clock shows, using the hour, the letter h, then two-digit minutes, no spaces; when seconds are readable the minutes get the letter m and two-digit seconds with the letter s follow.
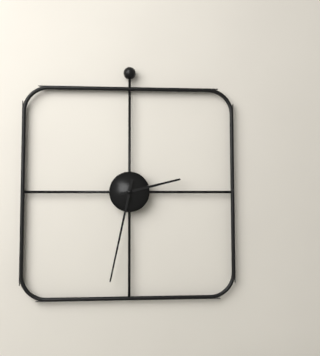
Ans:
2h32
